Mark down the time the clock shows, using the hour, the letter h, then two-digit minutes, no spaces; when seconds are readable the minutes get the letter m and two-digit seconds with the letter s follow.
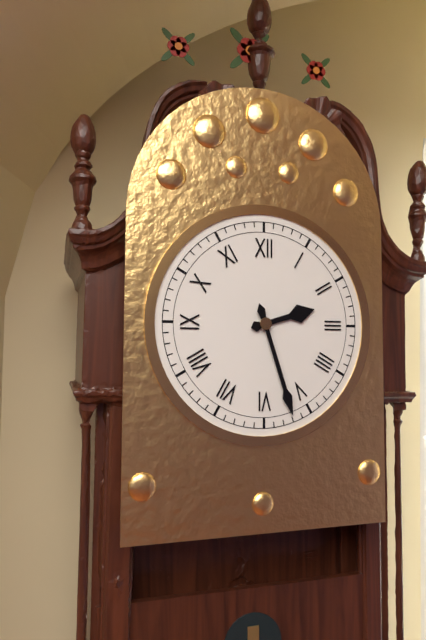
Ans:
2h27
